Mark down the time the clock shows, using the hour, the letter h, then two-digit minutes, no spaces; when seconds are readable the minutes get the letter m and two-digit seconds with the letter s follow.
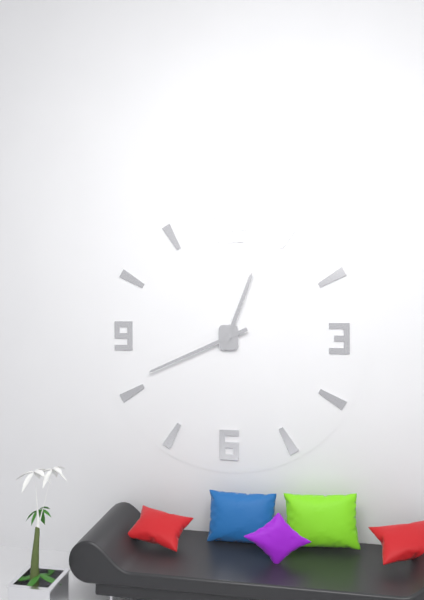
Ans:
12h41
